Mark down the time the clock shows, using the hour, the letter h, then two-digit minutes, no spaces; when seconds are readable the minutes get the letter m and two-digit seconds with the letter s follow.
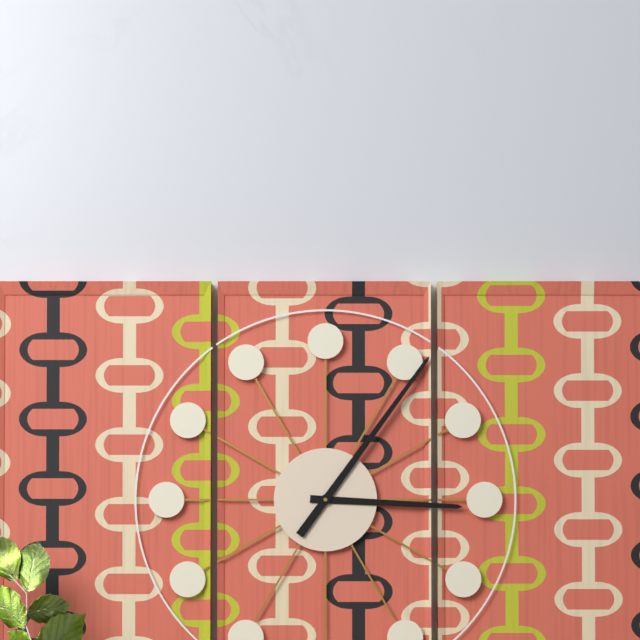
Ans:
3h06
